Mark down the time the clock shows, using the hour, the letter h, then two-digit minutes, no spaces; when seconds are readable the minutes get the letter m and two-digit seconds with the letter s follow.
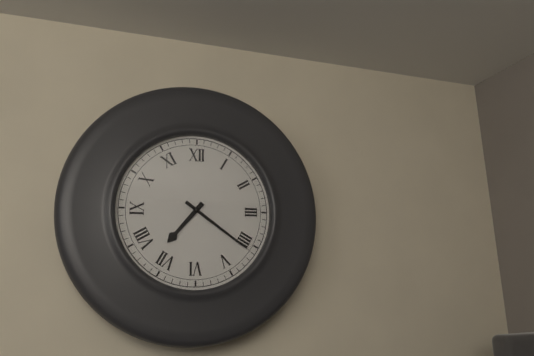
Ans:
7h21
